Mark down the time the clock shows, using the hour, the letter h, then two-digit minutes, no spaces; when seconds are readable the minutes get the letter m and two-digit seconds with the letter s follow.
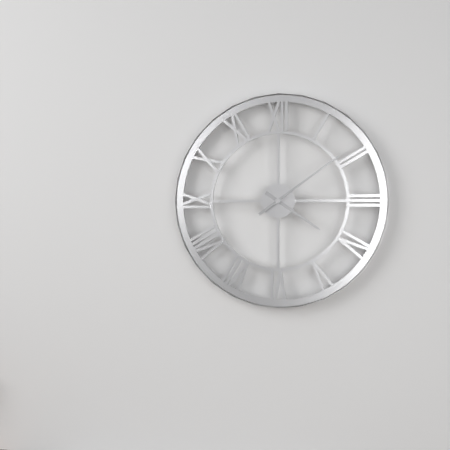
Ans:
4h09
